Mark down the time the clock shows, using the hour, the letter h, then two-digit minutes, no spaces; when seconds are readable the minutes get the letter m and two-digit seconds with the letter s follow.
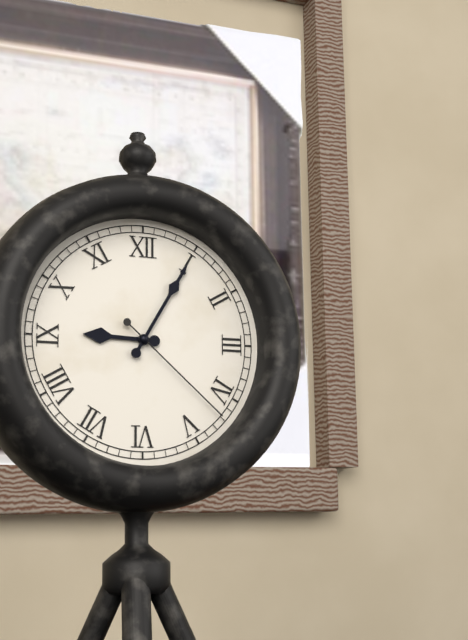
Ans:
9h05m22s
